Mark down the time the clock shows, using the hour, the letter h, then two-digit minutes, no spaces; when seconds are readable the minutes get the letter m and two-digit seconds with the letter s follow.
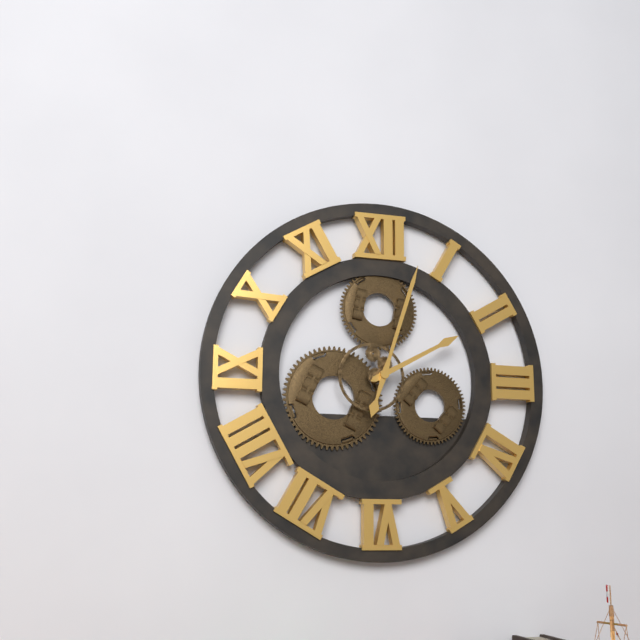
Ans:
2h03
